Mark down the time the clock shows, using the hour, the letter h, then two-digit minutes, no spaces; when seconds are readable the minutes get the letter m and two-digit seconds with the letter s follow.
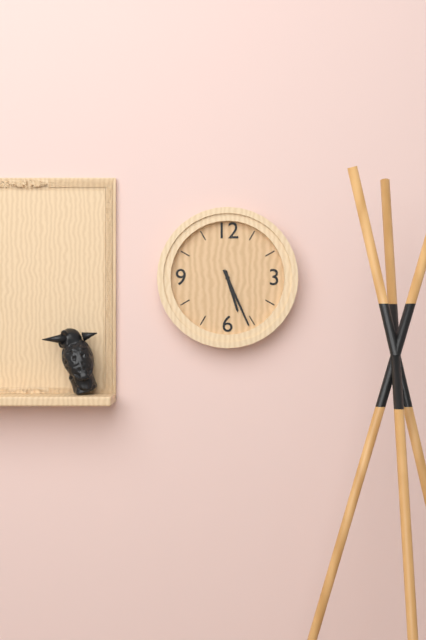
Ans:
5h26
